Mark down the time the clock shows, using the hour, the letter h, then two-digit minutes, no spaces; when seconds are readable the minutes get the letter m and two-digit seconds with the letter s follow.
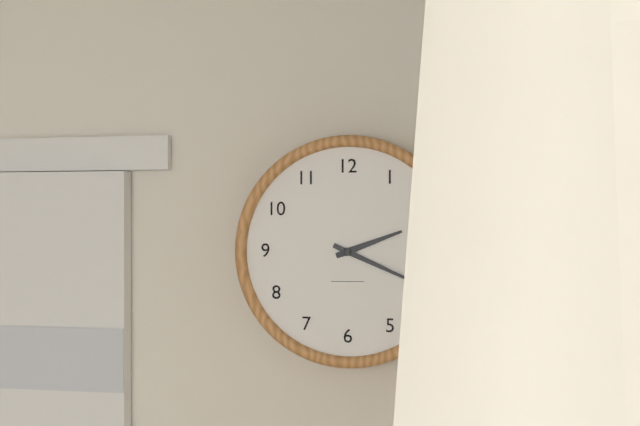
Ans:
2h19
